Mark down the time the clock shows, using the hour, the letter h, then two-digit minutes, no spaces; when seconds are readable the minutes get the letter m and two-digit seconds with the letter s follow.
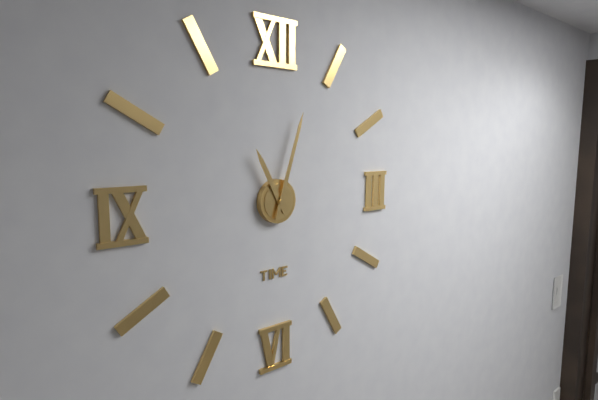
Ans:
11h03
